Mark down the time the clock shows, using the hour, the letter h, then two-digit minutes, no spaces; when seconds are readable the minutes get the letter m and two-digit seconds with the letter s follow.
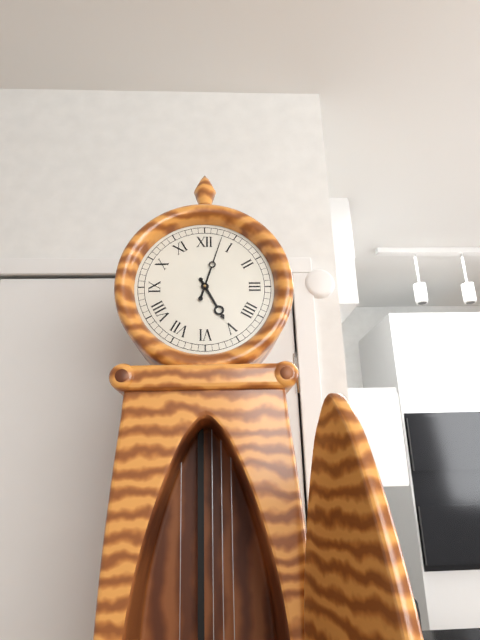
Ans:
5h03
